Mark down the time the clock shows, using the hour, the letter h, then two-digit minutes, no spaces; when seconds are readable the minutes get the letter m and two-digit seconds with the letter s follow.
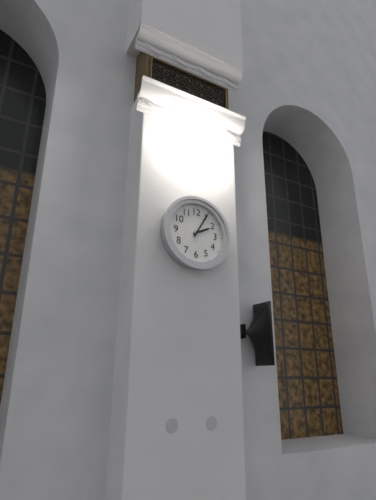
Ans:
2h05
